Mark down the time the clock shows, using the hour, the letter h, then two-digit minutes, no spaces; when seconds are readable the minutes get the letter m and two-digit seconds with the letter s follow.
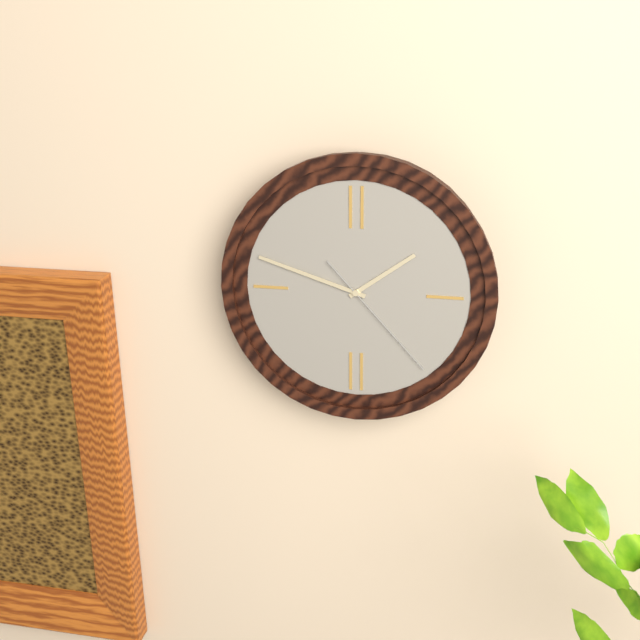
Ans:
1h48m23s
